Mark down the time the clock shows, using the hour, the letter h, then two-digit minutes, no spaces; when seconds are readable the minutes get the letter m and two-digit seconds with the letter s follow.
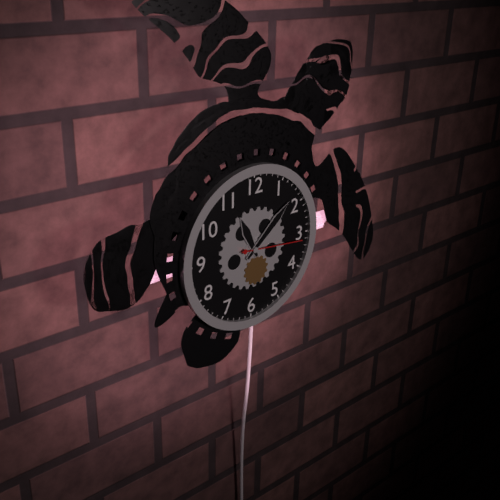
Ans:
11h08m16s
